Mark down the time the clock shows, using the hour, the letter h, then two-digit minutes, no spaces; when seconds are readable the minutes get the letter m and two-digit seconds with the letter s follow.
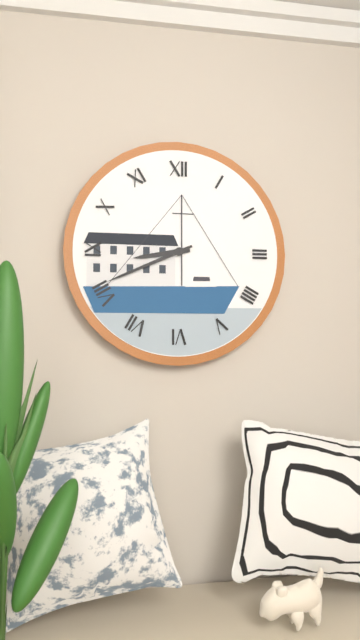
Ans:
8h41
